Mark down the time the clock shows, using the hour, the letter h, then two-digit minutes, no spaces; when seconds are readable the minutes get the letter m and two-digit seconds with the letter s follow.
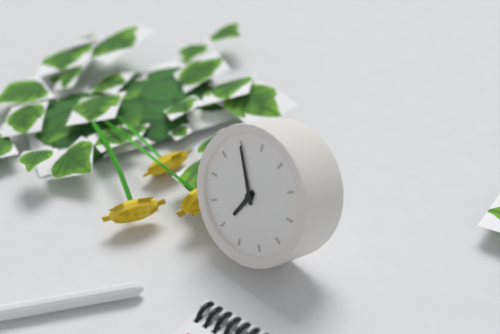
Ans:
6h55
